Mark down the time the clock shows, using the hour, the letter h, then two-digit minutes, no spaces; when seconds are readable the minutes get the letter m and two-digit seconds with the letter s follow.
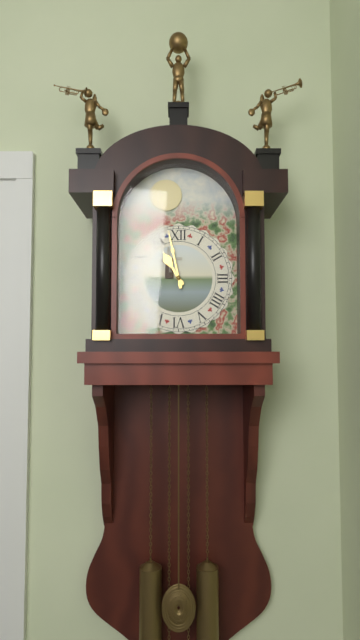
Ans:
10h58
